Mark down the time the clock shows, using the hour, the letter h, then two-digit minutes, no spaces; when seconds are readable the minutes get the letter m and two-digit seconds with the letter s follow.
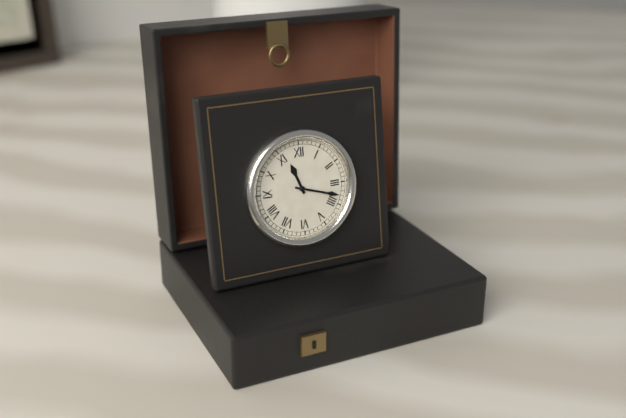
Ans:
11h18
